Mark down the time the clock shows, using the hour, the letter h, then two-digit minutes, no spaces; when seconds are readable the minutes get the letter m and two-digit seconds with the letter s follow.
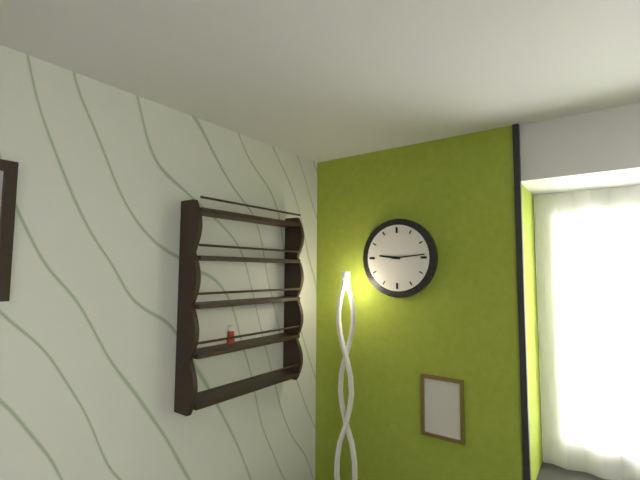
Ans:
9h14
